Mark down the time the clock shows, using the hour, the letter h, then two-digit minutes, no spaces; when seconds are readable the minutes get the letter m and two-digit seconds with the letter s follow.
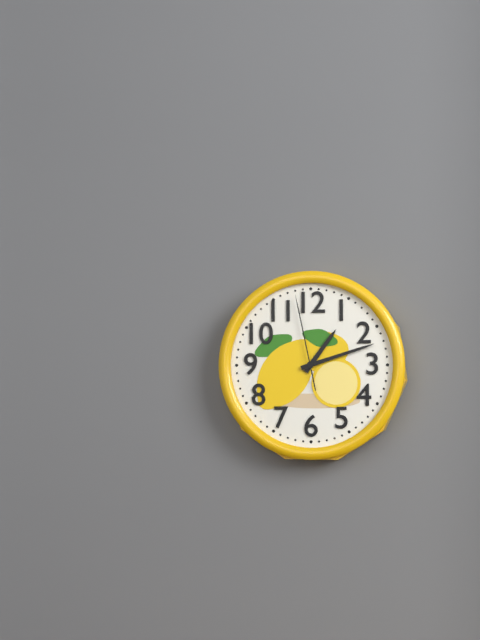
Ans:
1h12m58s
